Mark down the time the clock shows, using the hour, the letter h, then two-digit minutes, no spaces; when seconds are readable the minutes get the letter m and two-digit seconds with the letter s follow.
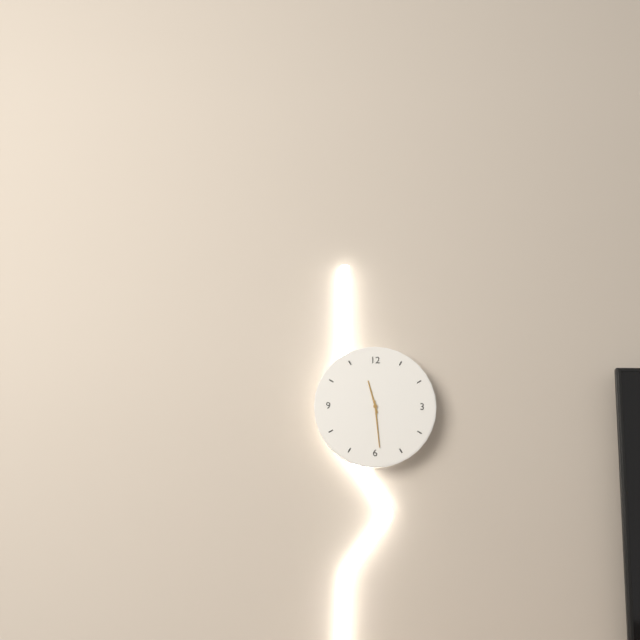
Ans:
11h29
